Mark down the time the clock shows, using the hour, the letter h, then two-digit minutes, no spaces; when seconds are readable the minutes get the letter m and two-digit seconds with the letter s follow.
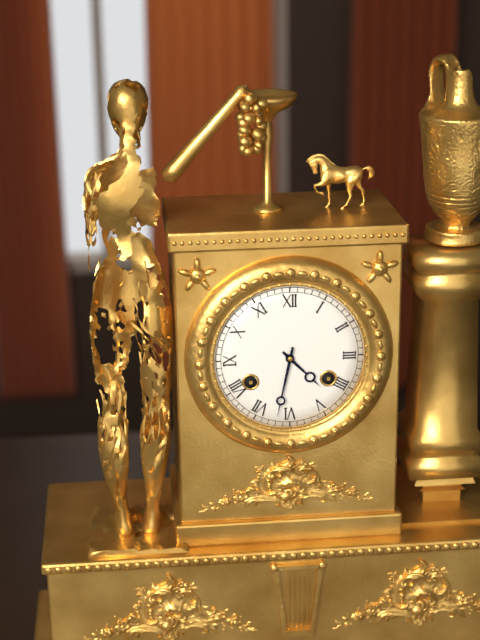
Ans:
4h32
